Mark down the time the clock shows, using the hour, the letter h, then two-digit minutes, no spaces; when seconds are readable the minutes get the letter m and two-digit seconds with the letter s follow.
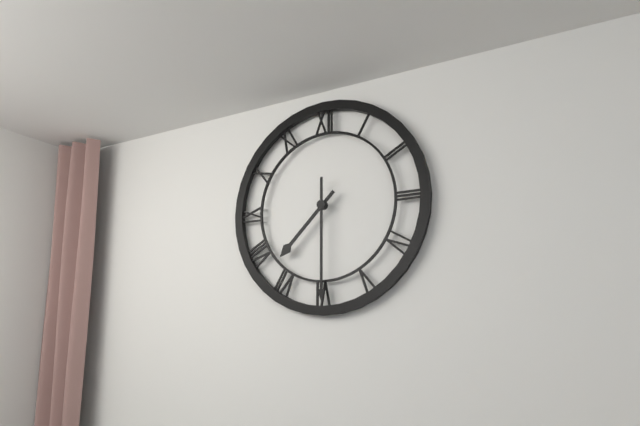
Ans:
7h30
